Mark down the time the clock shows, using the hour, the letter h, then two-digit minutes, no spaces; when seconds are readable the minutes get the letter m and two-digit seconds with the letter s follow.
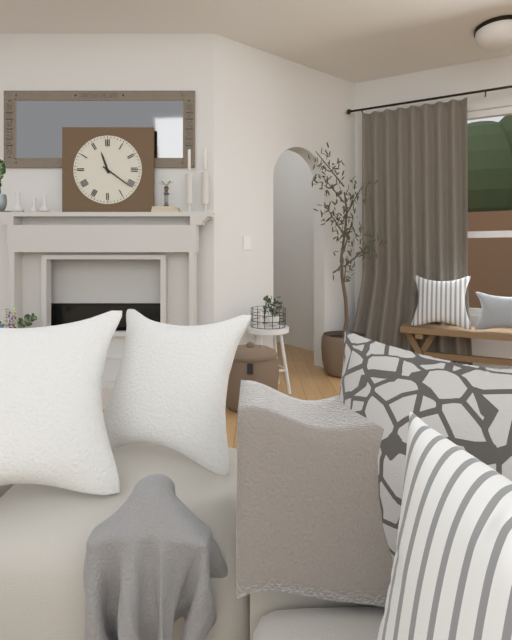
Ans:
11h21
